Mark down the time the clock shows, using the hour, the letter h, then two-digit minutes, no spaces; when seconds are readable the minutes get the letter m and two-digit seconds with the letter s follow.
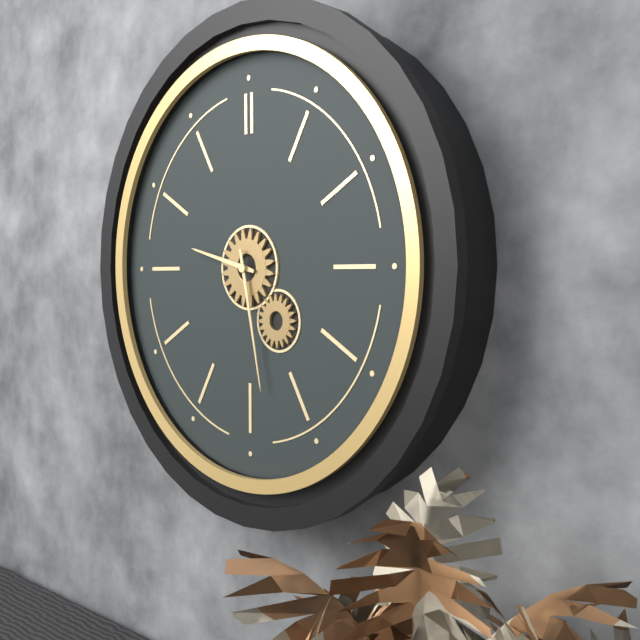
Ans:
9h28
